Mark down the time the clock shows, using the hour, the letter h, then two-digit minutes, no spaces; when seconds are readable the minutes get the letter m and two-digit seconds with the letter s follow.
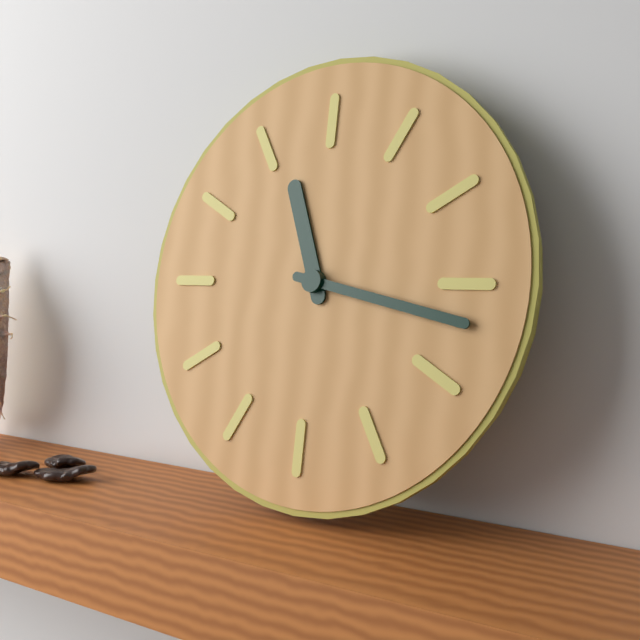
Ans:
11h17
